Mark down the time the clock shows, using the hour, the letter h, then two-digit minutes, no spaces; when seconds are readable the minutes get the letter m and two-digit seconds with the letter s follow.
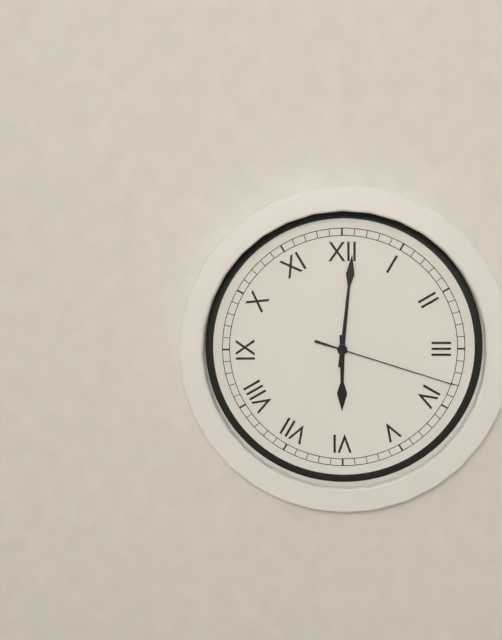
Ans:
6h01m18s
